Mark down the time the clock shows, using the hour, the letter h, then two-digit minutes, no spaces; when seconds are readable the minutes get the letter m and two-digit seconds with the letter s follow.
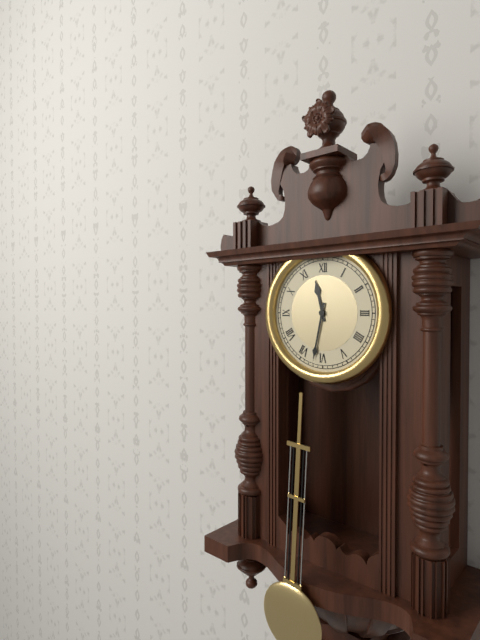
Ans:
11h32
